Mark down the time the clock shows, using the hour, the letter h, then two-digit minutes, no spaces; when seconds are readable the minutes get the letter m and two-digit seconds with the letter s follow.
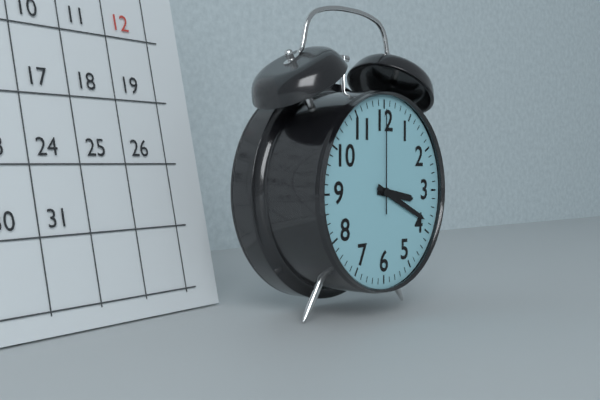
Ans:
3h19m00s
